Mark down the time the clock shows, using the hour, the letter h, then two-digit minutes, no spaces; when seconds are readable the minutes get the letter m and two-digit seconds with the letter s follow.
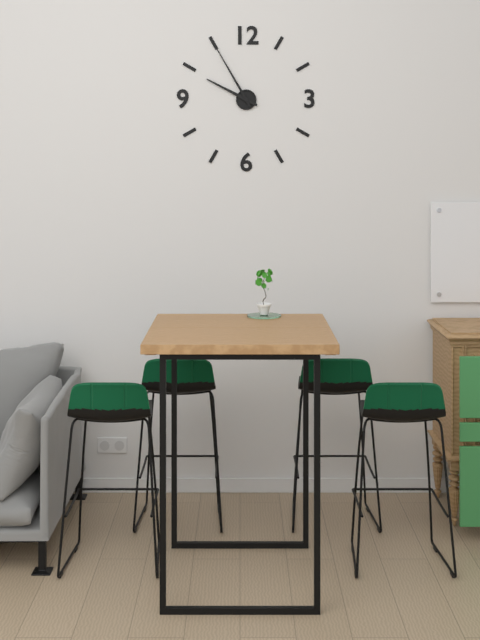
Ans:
9h55
